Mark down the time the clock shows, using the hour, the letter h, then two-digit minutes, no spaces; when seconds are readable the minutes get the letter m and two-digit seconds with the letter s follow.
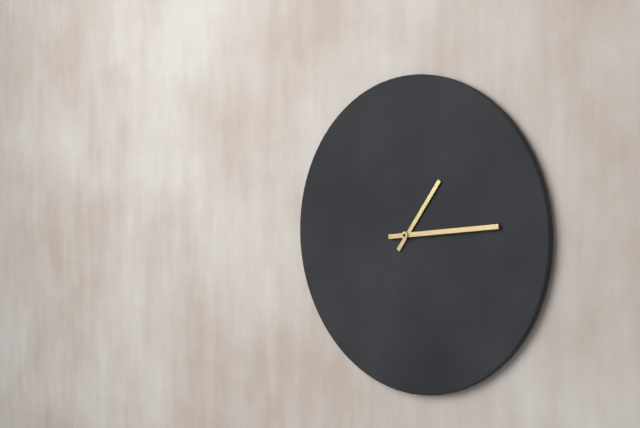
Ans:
1h14
